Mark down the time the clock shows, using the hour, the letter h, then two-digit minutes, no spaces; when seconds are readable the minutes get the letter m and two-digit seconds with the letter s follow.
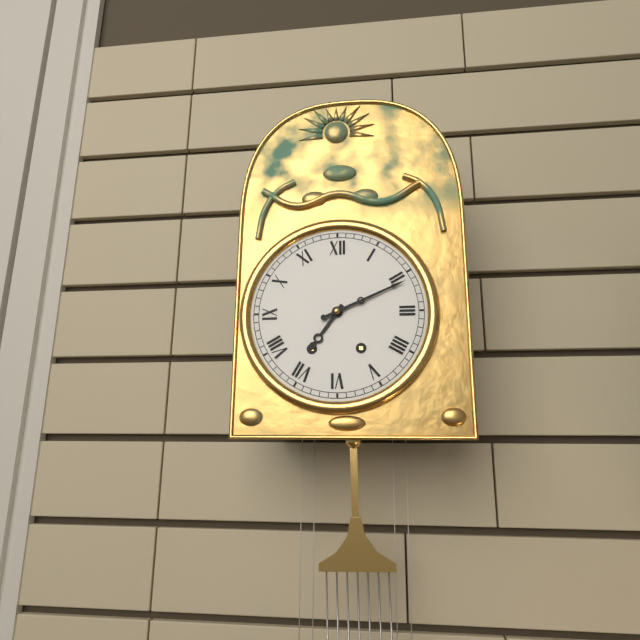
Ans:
7h11
